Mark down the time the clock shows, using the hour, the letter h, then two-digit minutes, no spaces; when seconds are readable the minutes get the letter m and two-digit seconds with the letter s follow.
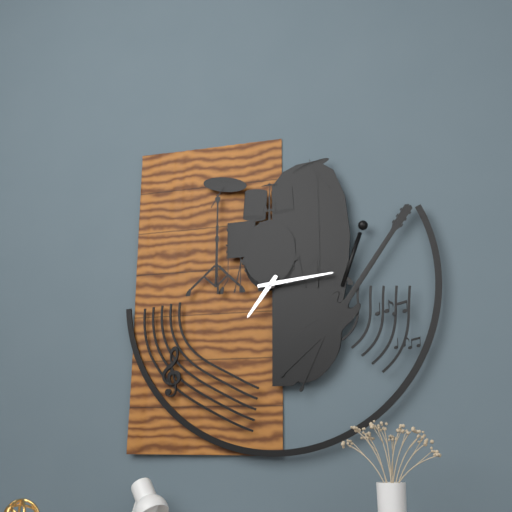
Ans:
7h14
